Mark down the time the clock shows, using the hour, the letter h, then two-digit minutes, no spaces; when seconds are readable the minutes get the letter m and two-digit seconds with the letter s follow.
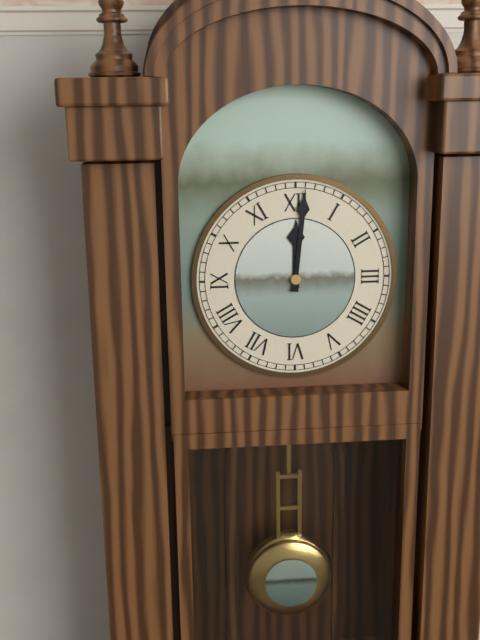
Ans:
12h01
